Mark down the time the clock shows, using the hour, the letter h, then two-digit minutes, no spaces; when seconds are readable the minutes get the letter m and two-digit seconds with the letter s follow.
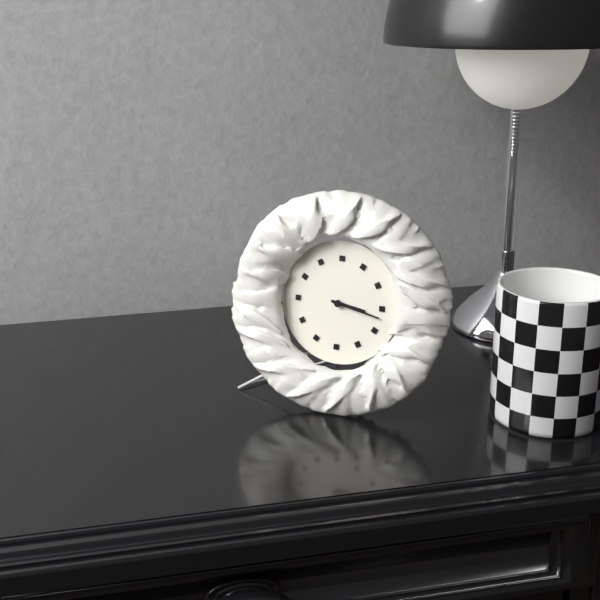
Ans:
3h17
